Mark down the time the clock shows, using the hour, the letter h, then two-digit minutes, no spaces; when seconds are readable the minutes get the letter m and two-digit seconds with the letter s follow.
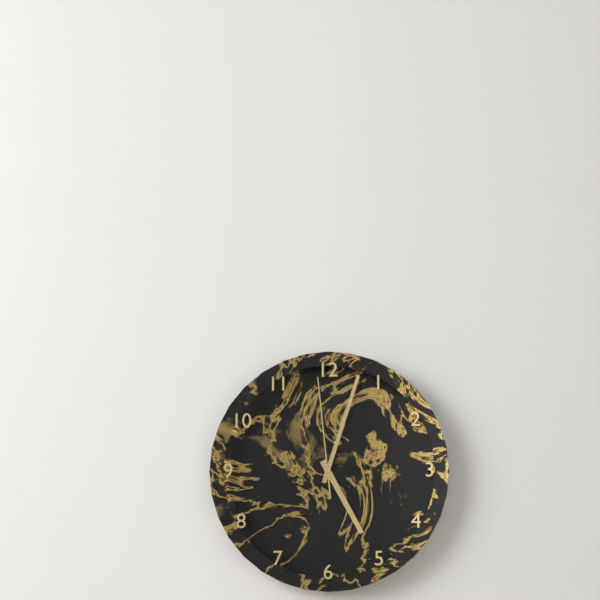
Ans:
5h03m59s
